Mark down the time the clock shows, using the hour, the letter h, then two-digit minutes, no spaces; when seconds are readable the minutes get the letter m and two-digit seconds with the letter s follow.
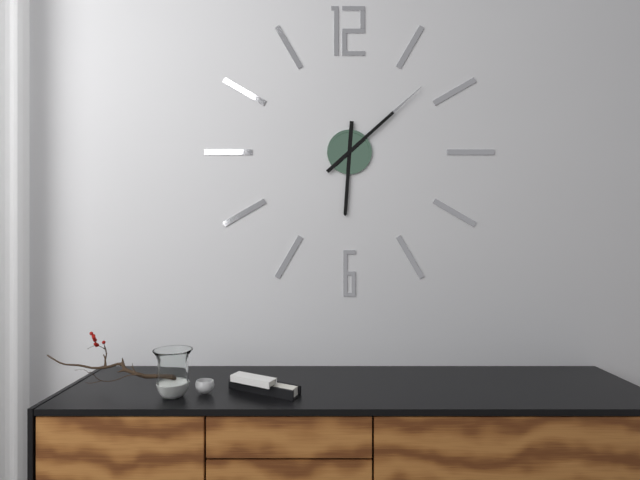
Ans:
6h08
